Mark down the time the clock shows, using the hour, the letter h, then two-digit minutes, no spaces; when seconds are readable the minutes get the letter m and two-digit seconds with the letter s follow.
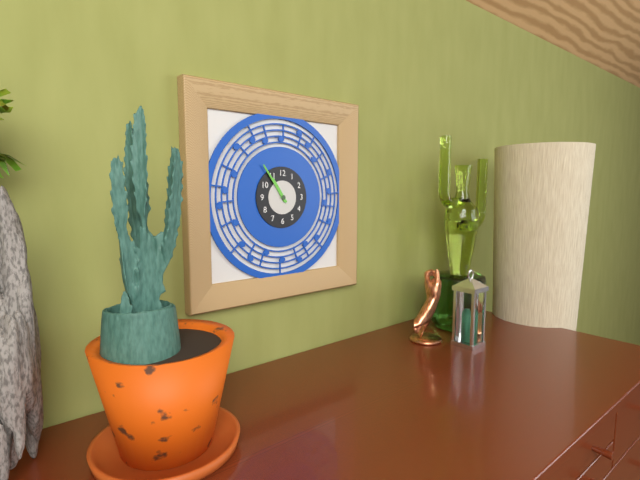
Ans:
10h54
